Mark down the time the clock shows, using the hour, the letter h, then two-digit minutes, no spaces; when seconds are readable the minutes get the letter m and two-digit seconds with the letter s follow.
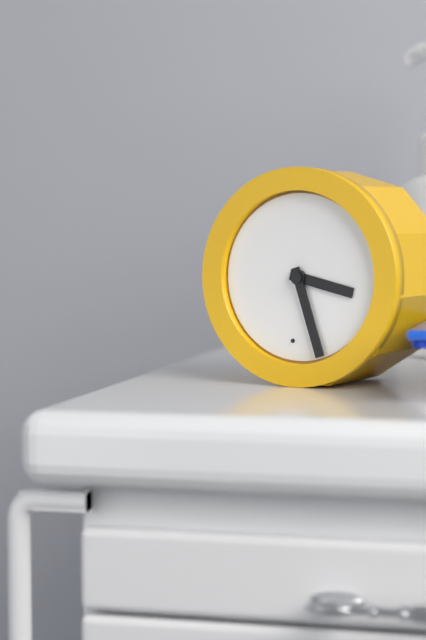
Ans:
3h27
